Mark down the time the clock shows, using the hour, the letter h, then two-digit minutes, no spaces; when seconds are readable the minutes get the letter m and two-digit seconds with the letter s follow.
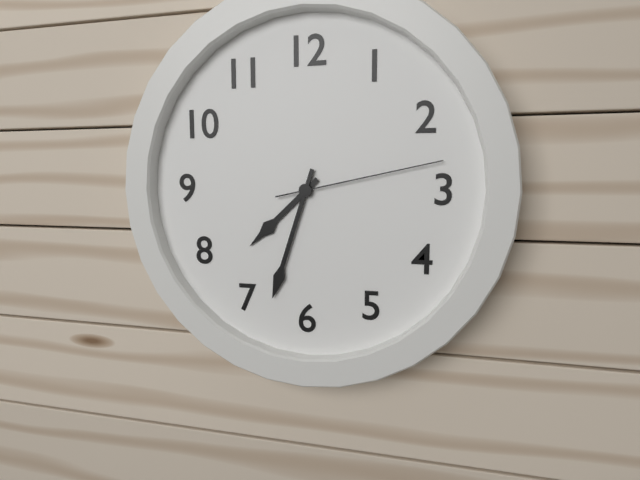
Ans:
7h33m13s
